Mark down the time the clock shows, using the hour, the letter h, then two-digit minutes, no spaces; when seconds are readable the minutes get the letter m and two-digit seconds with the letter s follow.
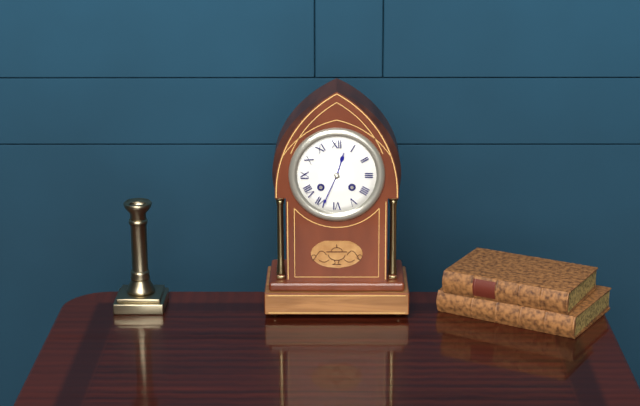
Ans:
12h34
